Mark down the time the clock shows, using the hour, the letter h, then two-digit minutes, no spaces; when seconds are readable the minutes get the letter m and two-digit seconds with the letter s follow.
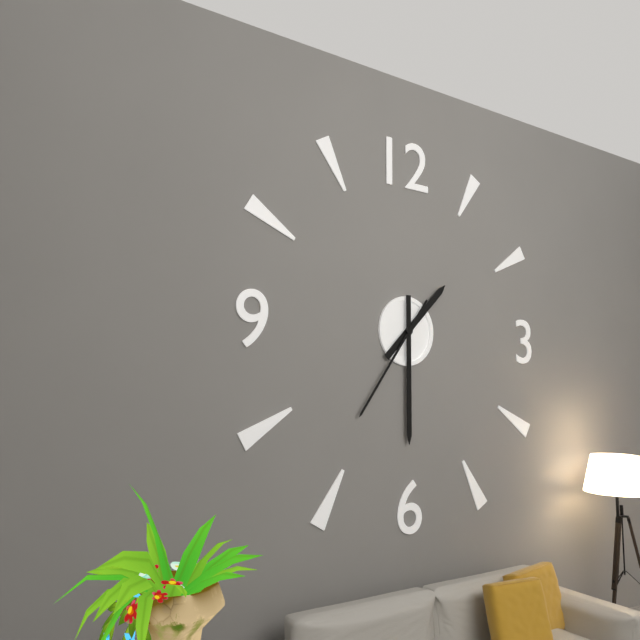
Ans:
1h30m36s
